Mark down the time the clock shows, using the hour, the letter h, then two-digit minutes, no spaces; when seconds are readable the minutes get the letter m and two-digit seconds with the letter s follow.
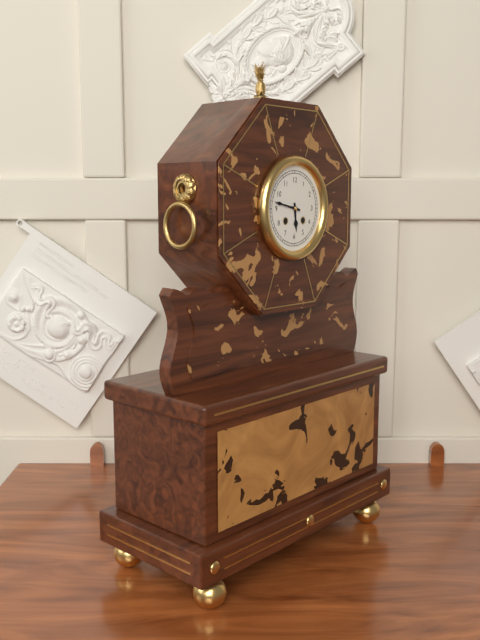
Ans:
5h47
